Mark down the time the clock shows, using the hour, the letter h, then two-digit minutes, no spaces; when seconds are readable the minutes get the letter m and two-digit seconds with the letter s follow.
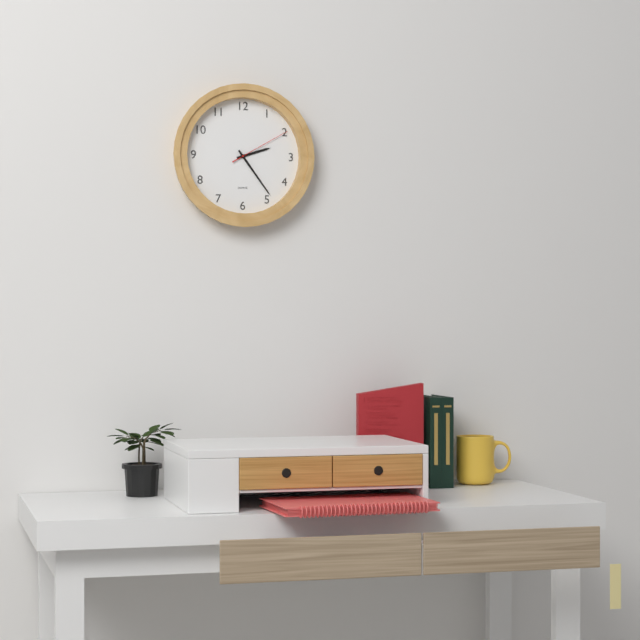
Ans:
2h24m10s
